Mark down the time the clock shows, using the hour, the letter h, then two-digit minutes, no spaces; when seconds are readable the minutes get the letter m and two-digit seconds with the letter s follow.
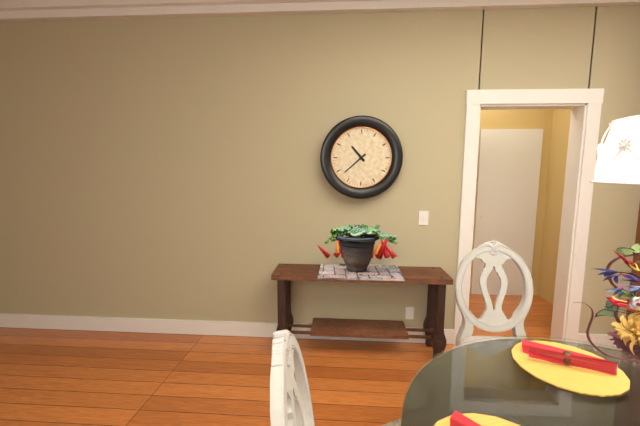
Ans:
10h38
